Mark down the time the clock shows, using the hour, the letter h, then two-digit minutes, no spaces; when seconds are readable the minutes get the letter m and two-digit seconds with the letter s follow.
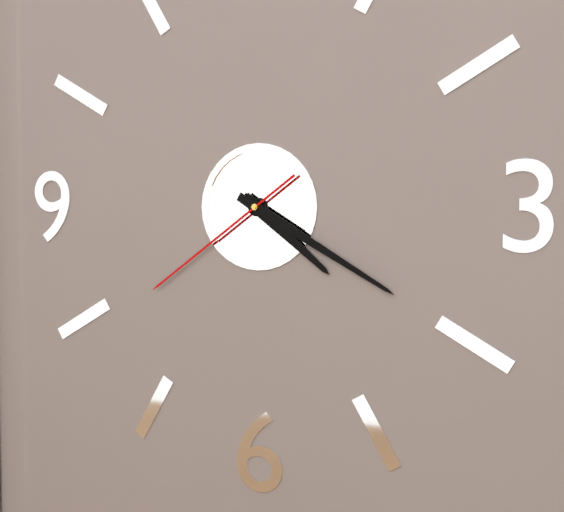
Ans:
4h20m39s
